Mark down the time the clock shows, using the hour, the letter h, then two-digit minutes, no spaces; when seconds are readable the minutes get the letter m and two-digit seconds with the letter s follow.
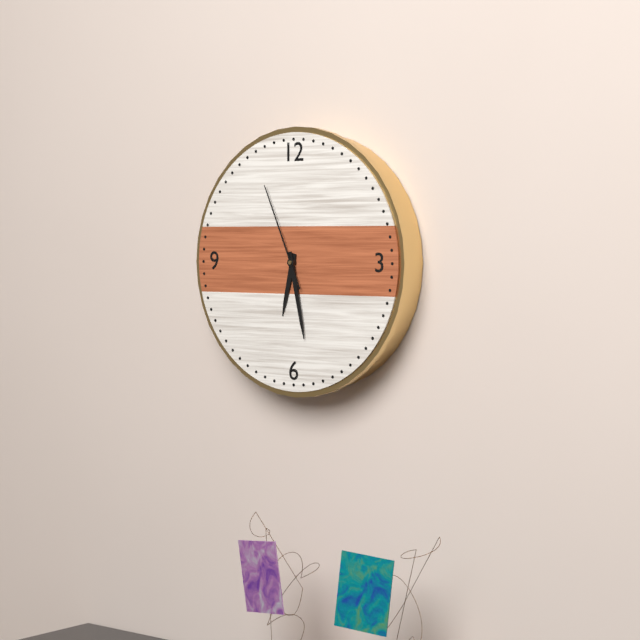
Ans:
6h28m56s
